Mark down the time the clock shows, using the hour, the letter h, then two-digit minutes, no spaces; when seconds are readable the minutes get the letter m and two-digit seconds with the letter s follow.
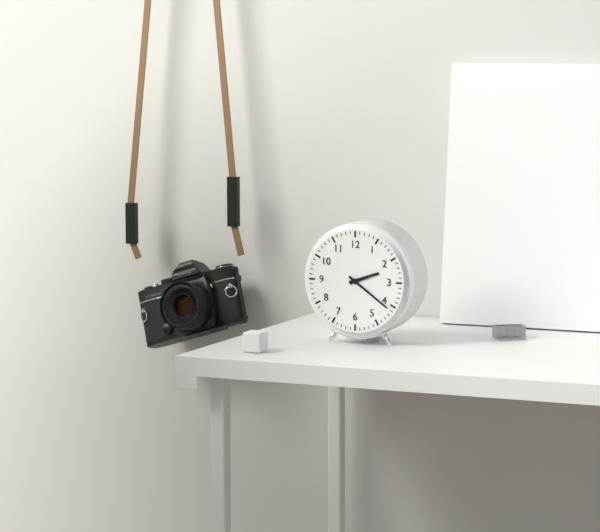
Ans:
2h21
